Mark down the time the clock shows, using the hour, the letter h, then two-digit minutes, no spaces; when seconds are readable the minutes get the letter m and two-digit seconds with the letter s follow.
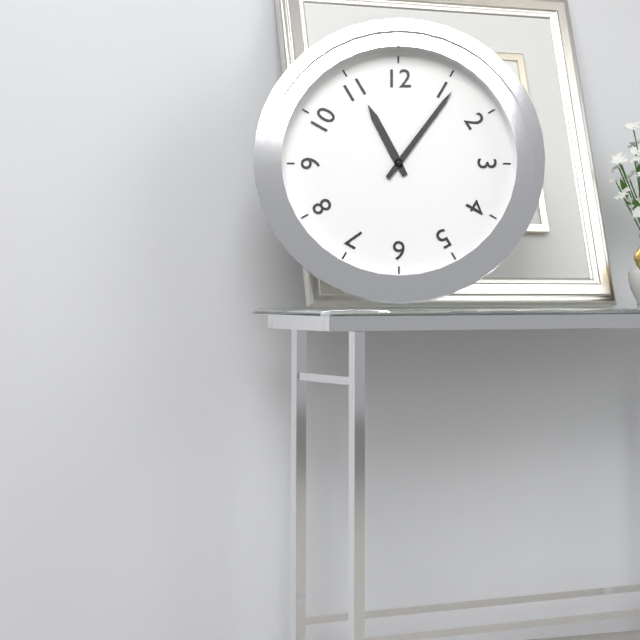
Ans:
11h06
